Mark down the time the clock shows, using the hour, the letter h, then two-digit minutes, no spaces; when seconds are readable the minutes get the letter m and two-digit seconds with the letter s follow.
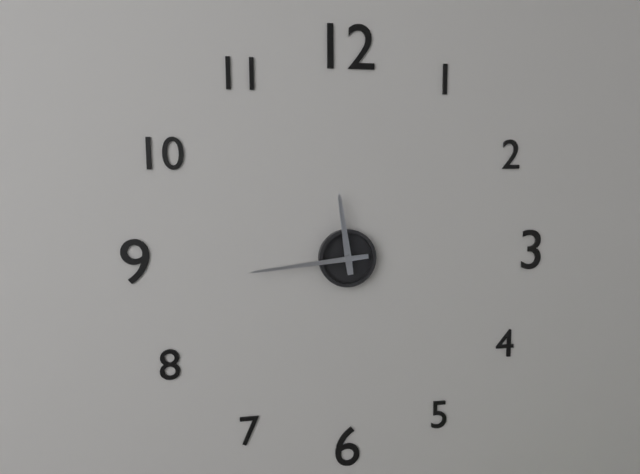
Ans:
11h44
